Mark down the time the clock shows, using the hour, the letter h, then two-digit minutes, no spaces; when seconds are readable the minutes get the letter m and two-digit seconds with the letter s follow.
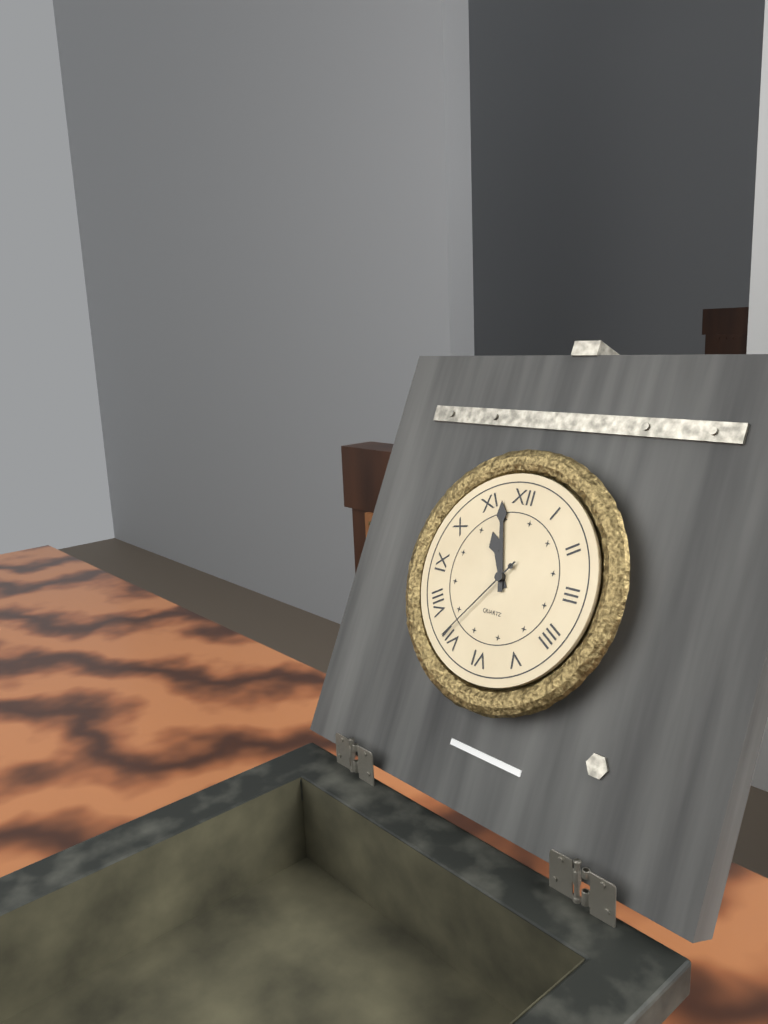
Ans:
10h57m36s
